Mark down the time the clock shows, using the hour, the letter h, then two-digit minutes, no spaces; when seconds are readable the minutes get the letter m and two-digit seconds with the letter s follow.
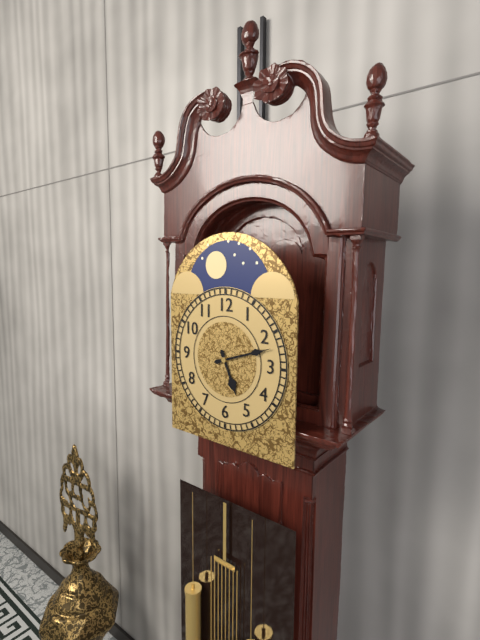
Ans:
5h12
